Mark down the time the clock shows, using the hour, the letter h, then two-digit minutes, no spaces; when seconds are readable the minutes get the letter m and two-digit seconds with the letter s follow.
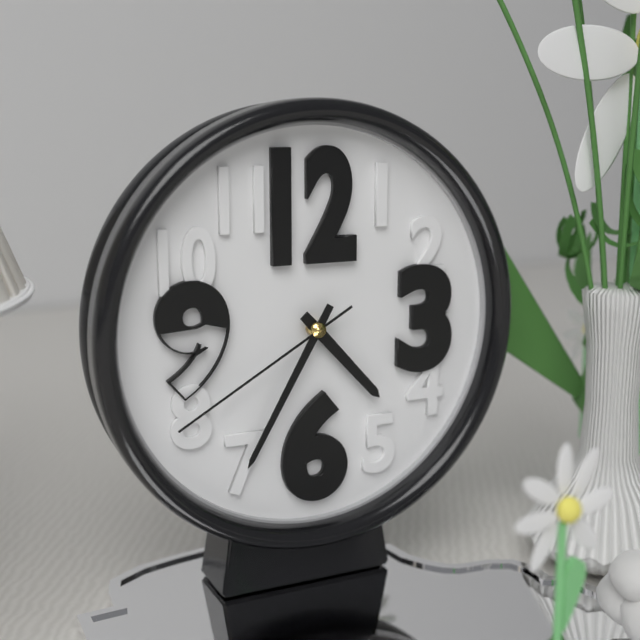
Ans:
4h35m40s
